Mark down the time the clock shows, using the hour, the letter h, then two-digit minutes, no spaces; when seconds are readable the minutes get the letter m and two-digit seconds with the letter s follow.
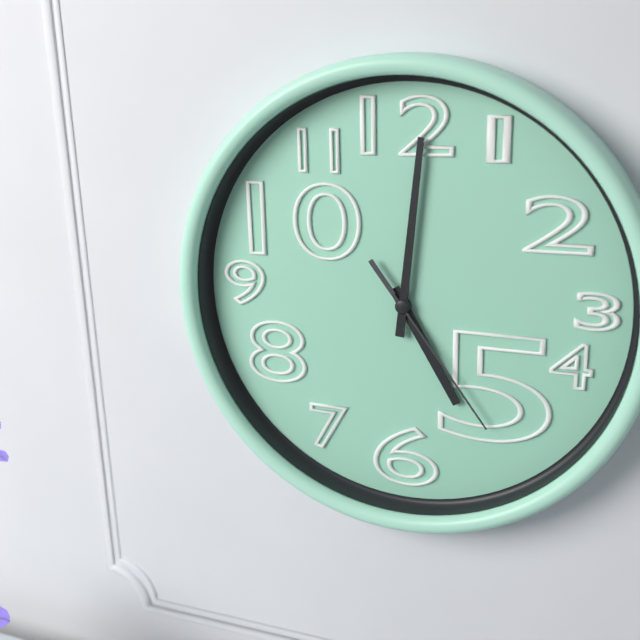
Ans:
5h01m24s
